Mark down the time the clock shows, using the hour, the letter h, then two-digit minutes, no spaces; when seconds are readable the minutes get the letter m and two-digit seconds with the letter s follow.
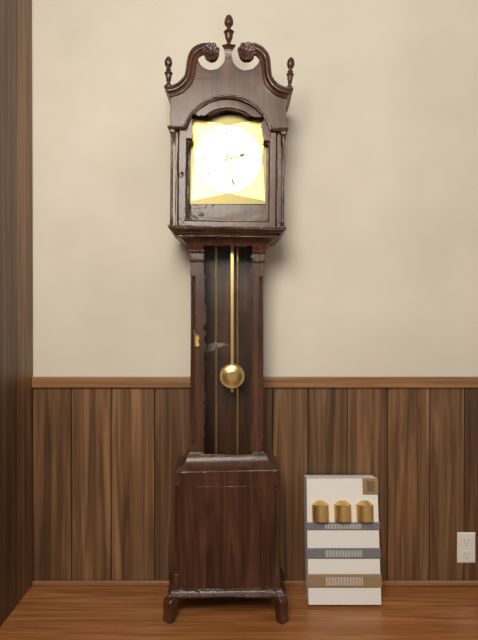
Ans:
2h28
